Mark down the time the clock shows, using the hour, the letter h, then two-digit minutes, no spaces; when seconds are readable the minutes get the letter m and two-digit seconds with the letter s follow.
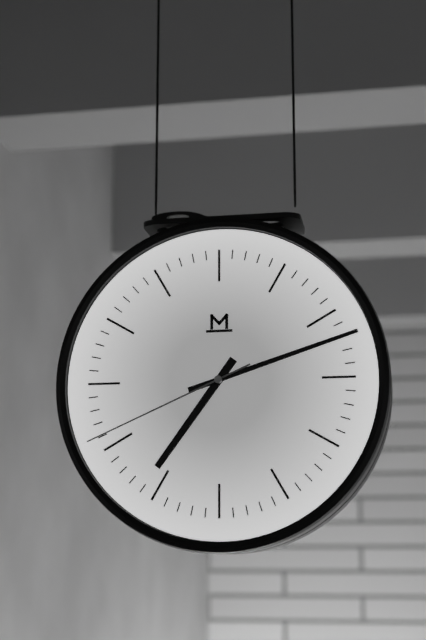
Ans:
7h12m41s
